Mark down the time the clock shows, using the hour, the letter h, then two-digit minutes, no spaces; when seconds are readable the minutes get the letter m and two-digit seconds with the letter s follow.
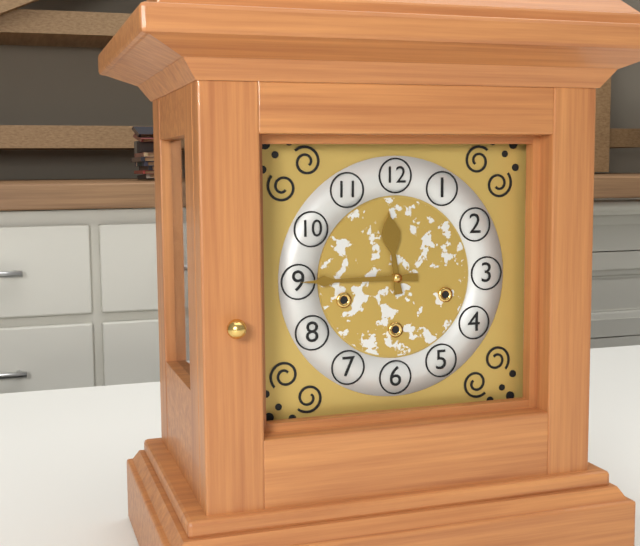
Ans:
11h45
